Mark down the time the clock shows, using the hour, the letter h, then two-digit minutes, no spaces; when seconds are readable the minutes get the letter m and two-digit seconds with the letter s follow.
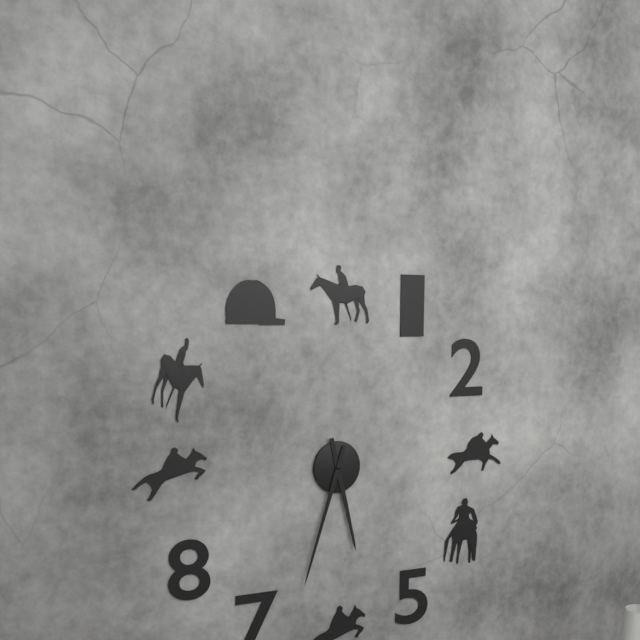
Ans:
5h33
